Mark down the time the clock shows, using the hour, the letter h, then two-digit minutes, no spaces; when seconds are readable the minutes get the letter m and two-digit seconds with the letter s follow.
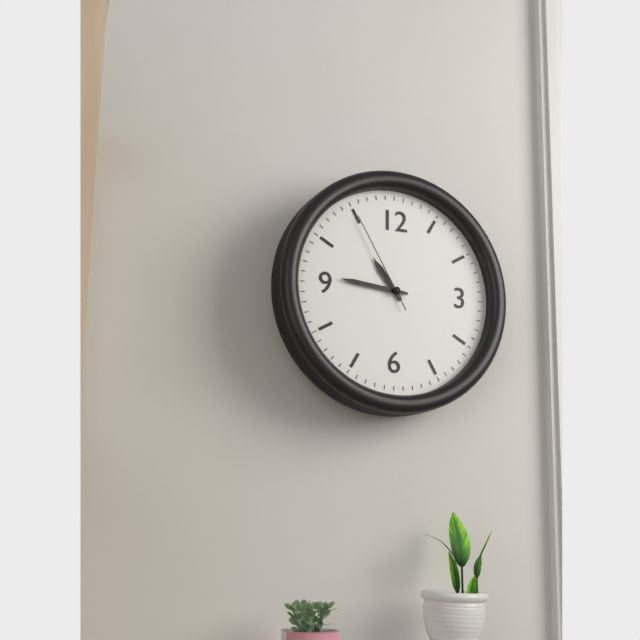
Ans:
10h46m55s
